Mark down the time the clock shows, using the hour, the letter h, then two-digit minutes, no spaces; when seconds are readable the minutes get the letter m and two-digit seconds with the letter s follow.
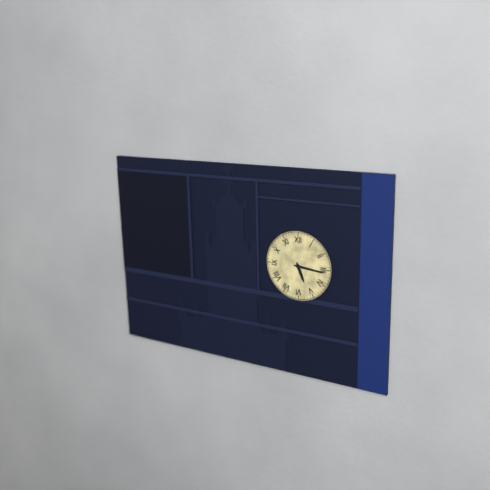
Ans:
5h16
